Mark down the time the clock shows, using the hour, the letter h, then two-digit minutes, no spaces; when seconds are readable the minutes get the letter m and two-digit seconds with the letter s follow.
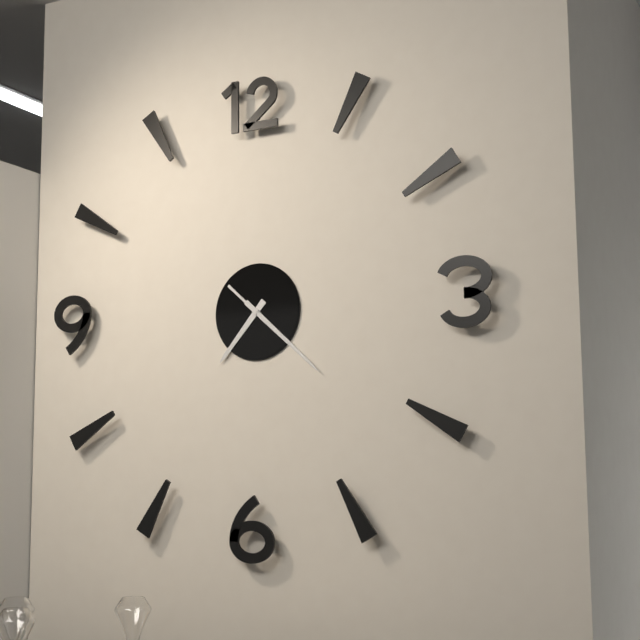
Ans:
7h22m22s
